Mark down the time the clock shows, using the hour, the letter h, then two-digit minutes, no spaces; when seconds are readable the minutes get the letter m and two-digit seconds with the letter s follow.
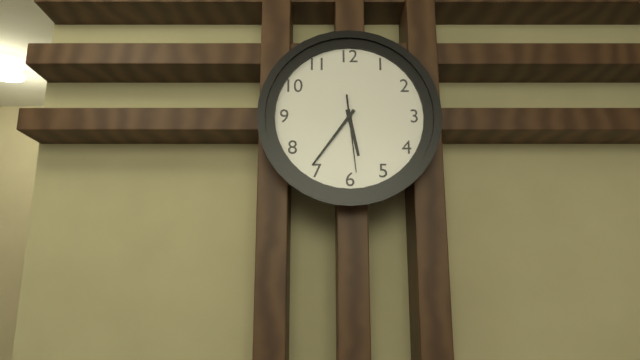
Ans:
5h36m29s
